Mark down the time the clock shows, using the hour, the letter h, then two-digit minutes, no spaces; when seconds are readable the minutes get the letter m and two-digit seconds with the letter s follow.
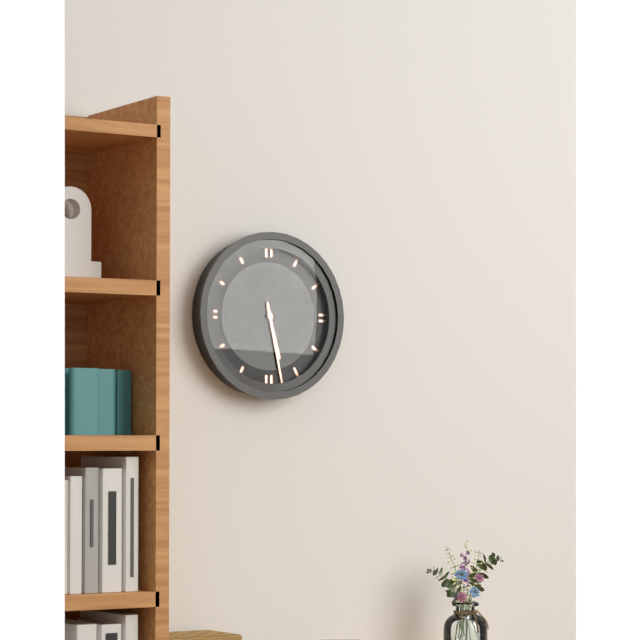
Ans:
5h28
